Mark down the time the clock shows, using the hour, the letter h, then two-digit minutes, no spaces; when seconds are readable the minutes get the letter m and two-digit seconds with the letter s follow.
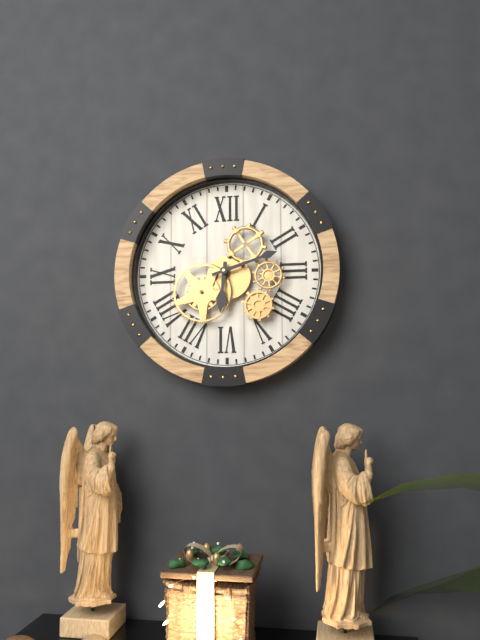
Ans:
6h12
